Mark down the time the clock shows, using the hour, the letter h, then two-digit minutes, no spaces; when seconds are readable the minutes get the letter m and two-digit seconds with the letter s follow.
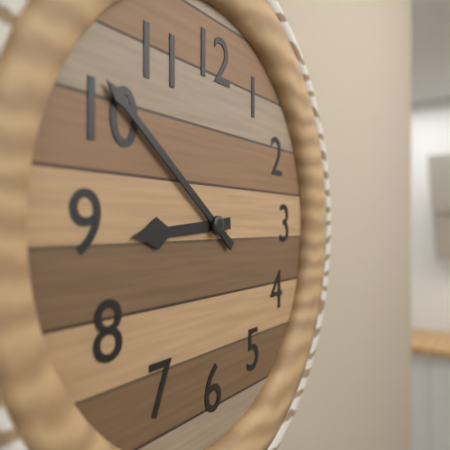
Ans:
8h51
